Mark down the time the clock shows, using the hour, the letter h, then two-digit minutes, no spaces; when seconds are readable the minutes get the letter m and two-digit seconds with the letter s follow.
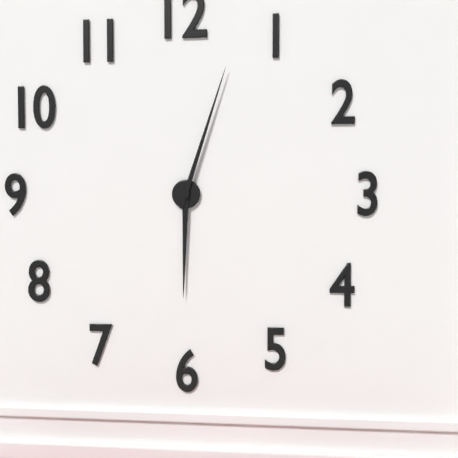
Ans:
6h03
